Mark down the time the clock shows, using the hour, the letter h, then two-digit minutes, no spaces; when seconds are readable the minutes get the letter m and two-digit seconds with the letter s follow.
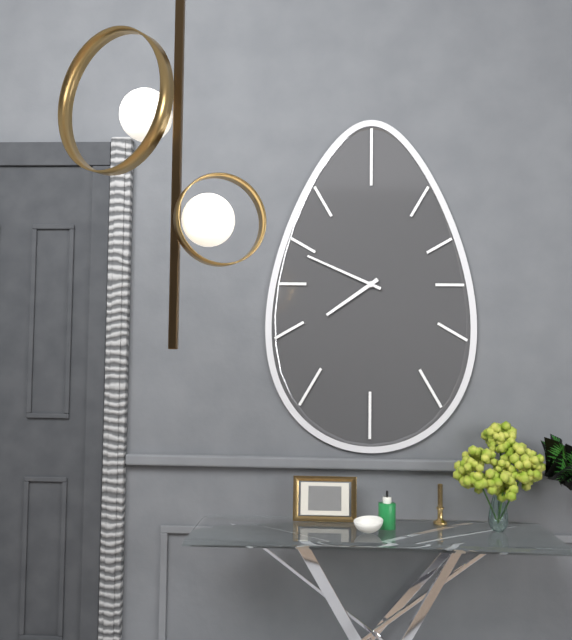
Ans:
7h49
